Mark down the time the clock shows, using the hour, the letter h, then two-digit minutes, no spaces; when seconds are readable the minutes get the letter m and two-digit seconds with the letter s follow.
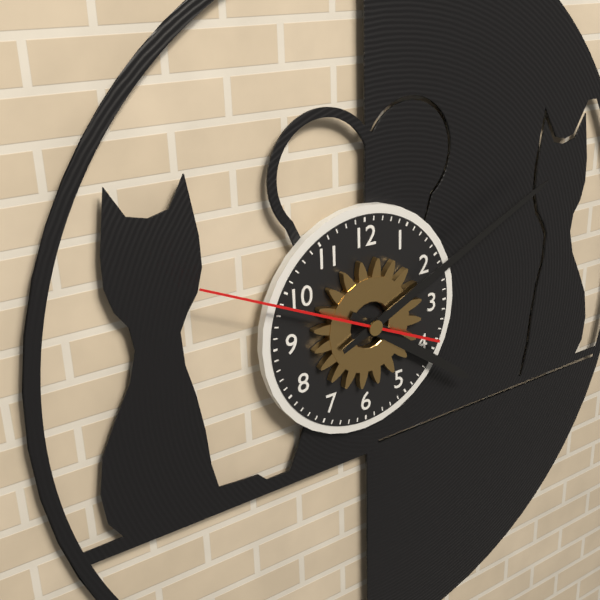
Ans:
4h11m49s
